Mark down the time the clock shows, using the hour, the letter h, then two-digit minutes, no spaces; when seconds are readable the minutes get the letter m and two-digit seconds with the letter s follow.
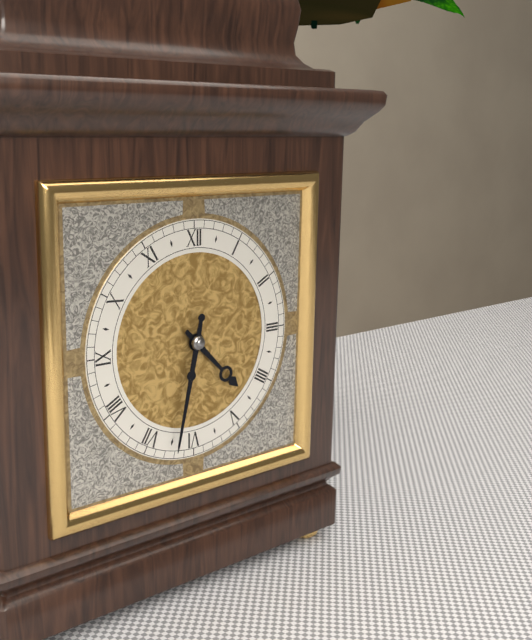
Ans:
4h32
